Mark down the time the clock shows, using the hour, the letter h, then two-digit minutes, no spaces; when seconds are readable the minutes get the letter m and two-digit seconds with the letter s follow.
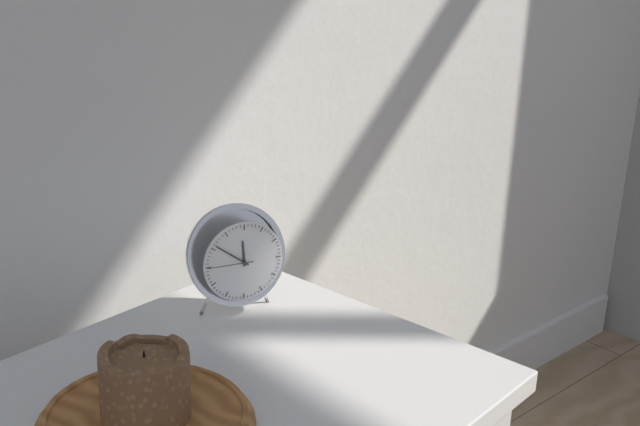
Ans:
11h51
